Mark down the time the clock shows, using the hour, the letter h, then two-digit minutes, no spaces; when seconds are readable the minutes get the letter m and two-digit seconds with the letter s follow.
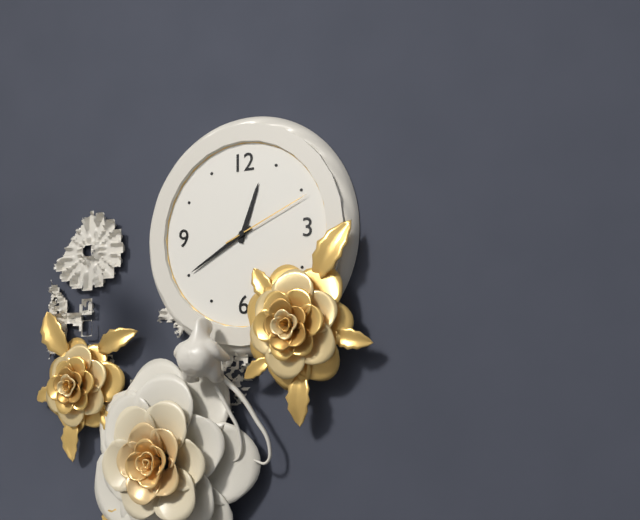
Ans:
12h40m11s
